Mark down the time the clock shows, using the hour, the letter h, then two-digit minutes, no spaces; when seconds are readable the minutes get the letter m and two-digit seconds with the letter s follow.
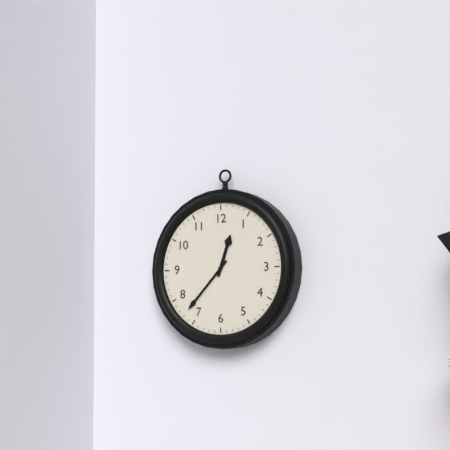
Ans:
12h37
